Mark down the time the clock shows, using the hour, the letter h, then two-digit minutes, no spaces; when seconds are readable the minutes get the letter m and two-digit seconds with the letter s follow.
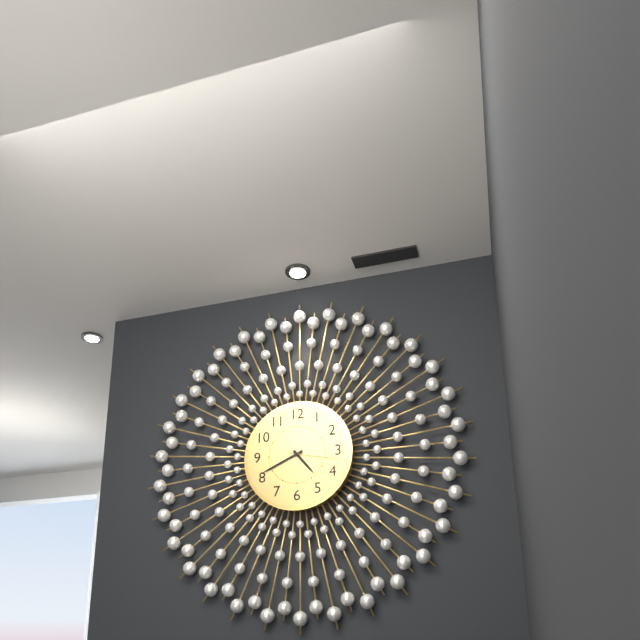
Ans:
4h41m17s
